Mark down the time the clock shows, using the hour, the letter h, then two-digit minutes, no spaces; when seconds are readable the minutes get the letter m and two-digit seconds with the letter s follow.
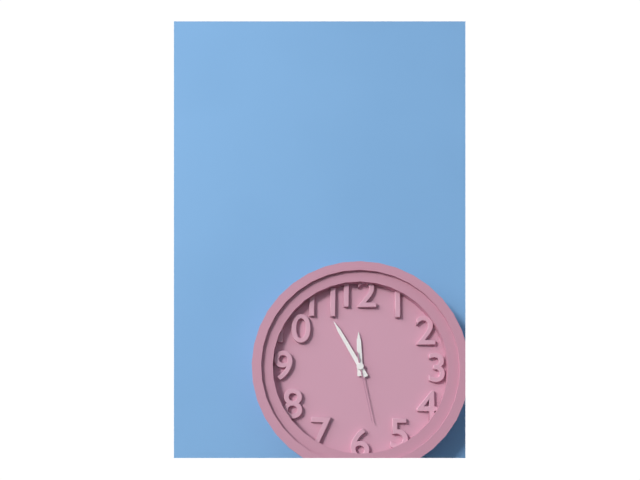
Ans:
11h55m28s
